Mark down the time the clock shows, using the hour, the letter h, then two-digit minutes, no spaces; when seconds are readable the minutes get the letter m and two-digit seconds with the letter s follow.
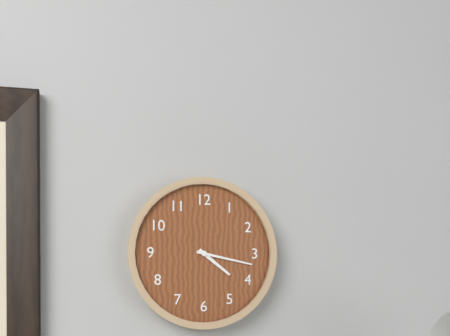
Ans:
4h17
